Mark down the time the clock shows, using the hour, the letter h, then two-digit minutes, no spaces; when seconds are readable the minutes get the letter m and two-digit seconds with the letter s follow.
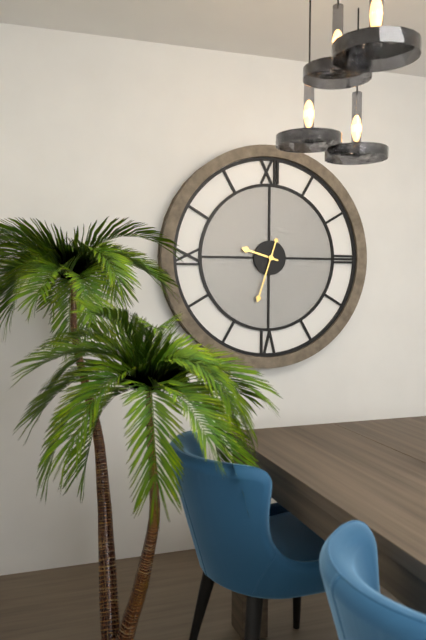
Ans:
9h33
